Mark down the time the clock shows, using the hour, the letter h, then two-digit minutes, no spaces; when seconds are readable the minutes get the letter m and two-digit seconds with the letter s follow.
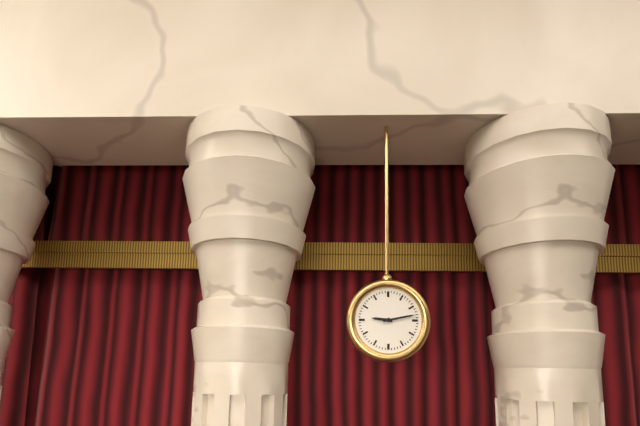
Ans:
9h13
